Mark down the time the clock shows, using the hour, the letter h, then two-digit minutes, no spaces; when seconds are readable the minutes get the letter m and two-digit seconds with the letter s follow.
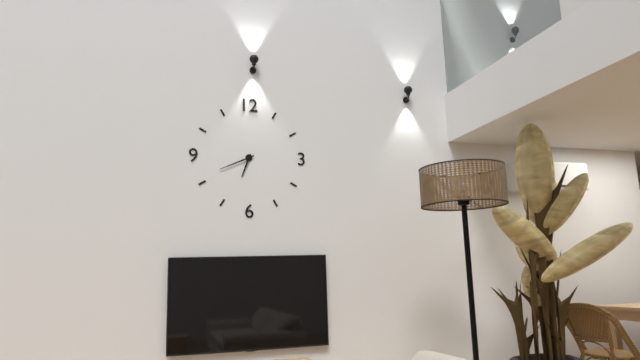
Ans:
6h41
